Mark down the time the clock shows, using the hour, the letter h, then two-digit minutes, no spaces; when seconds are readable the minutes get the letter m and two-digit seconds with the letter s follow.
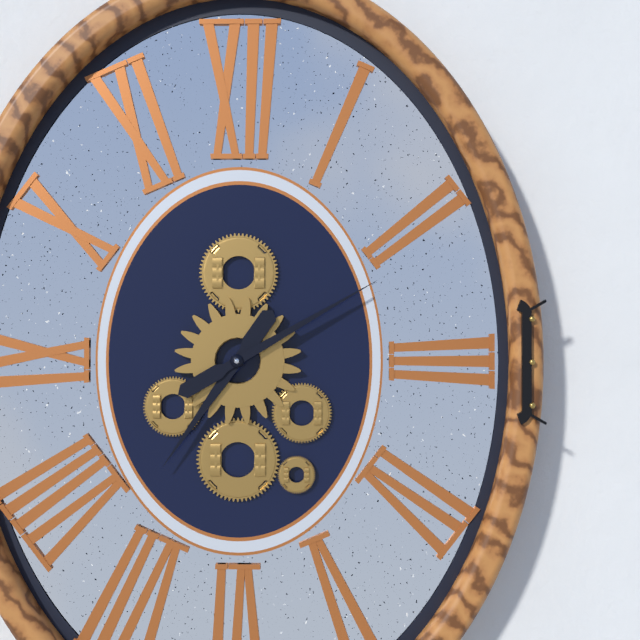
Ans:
7h10
